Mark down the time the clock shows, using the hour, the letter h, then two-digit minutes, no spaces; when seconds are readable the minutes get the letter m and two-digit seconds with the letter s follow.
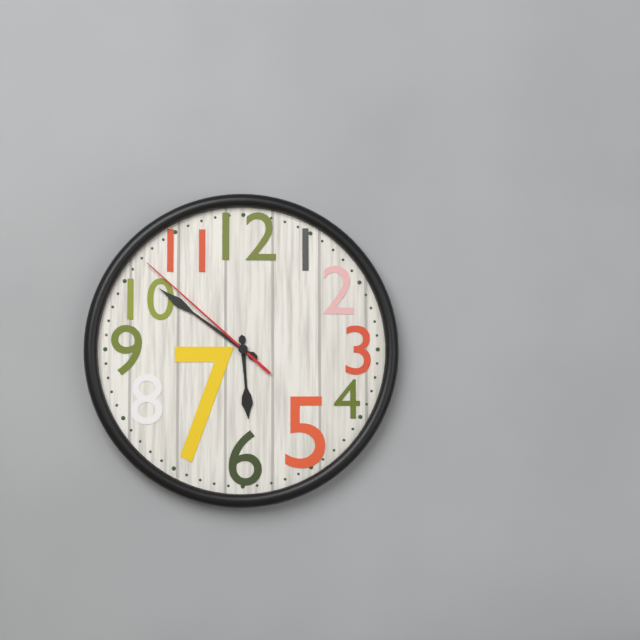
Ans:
5h51m52s
